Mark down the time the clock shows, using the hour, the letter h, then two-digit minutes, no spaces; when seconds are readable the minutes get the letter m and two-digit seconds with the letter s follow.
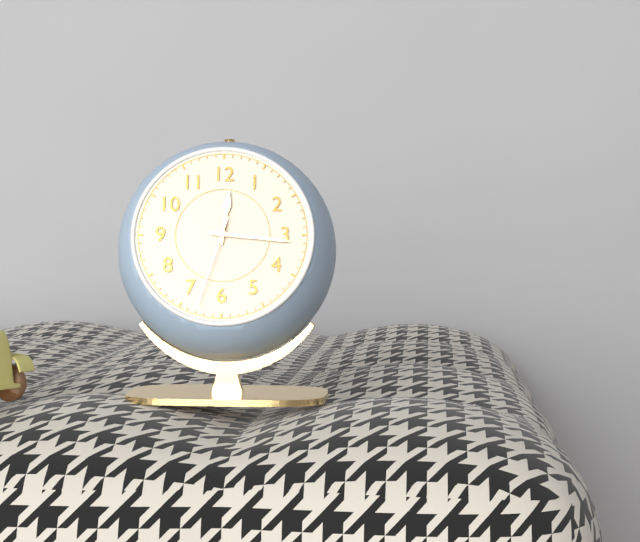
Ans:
12h16m33s
